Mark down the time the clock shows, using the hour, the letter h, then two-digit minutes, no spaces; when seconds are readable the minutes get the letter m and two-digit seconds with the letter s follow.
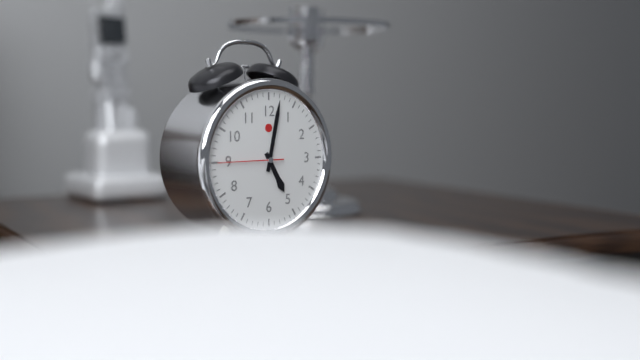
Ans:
5h02m45s
